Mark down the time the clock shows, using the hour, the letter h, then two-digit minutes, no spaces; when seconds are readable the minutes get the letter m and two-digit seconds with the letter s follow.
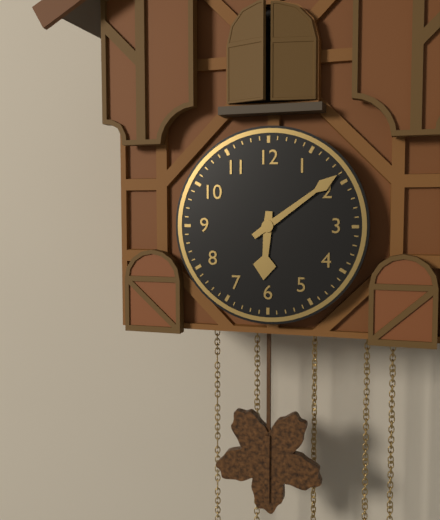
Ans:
6h09
